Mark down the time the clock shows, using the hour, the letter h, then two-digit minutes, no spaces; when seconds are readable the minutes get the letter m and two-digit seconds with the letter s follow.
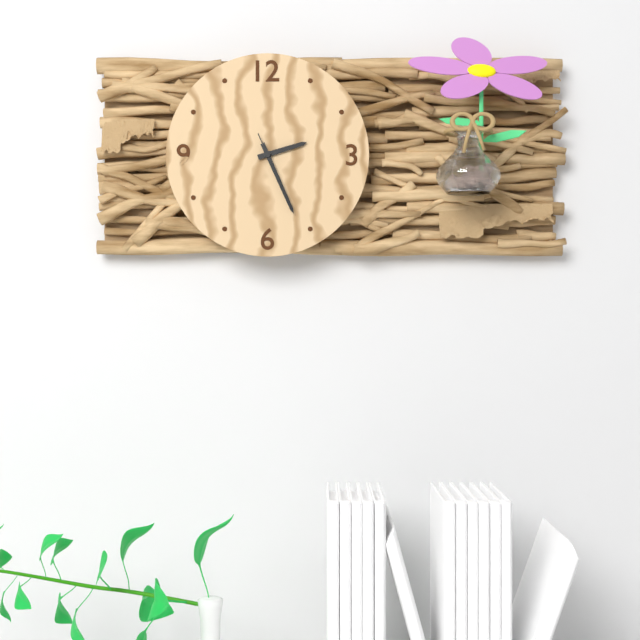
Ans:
2h26m26s
